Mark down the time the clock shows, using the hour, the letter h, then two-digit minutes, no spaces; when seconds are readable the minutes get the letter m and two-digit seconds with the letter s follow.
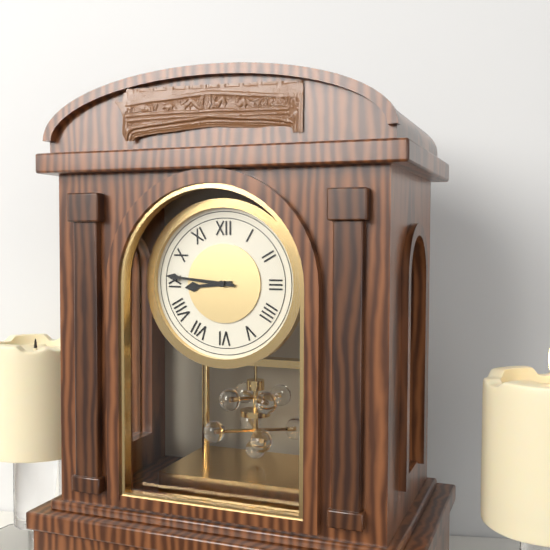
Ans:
8h46
